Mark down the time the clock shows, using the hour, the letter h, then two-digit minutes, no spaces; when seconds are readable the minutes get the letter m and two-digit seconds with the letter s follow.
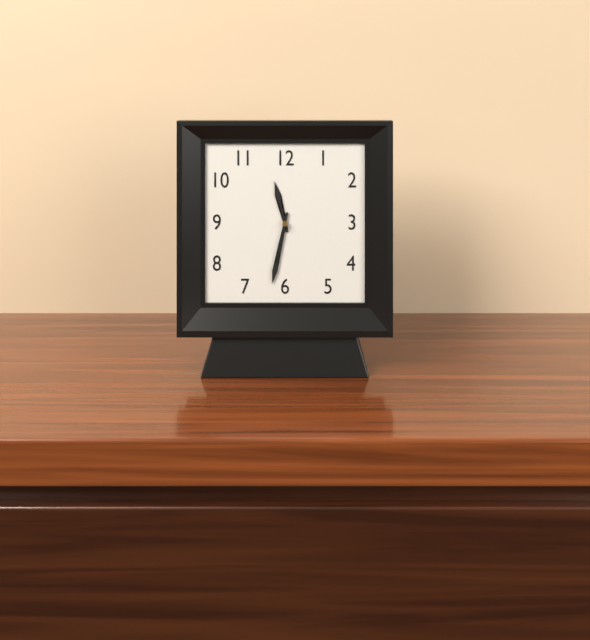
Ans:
11h32
